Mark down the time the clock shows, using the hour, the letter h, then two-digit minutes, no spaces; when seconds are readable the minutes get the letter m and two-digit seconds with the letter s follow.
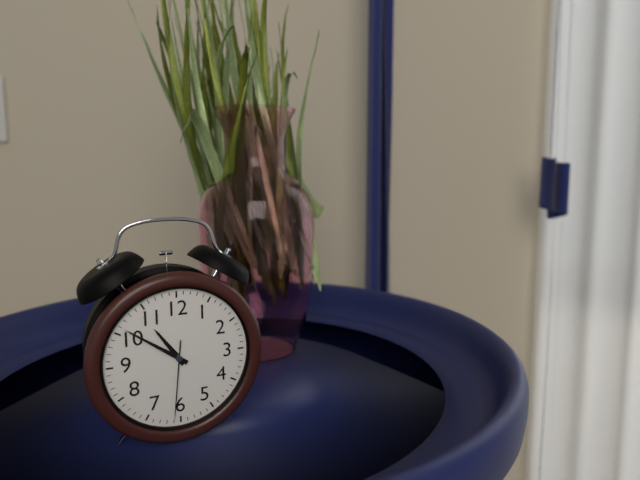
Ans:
10h51m31s
